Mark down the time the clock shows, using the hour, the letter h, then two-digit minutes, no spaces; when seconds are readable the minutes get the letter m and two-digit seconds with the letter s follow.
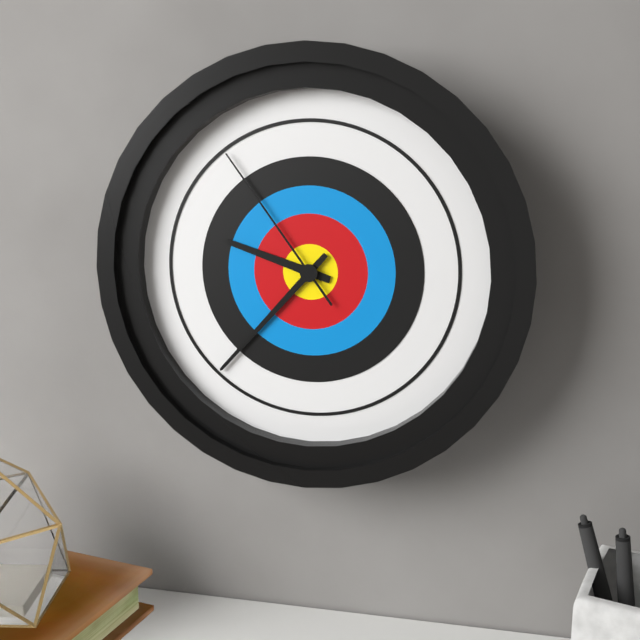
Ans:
9h37m54s
